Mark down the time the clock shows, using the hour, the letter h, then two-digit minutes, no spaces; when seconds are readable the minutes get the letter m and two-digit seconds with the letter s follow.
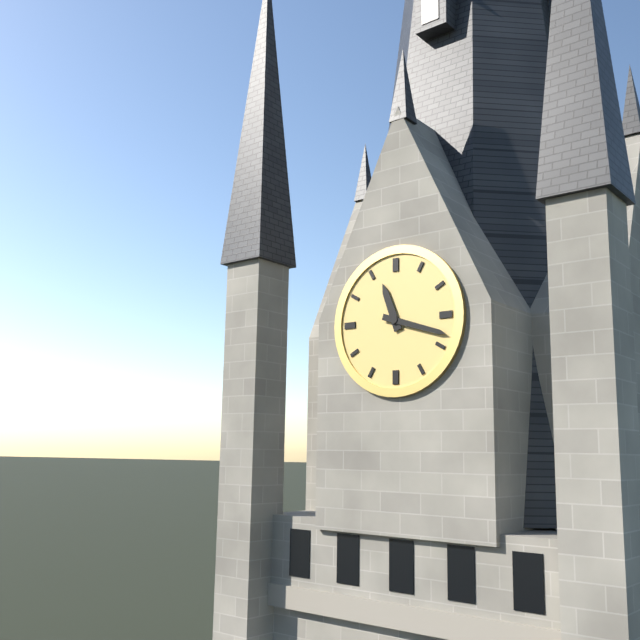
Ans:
11h18
